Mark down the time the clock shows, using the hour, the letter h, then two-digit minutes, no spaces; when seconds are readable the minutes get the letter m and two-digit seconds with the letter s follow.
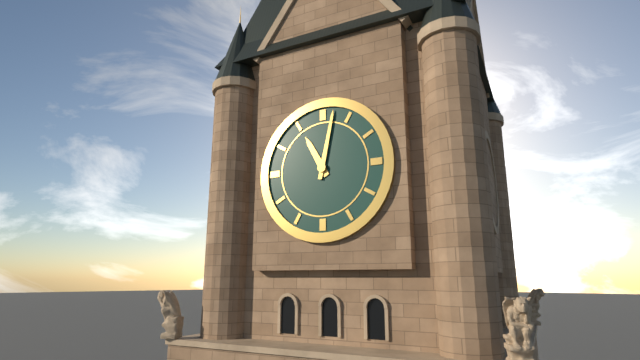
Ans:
11h02
